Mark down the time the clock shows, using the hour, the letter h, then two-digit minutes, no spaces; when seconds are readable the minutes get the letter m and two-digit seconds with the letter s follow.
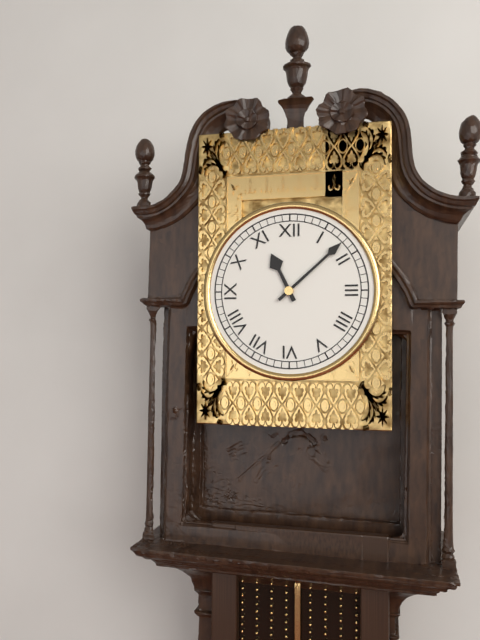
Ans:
11h08
